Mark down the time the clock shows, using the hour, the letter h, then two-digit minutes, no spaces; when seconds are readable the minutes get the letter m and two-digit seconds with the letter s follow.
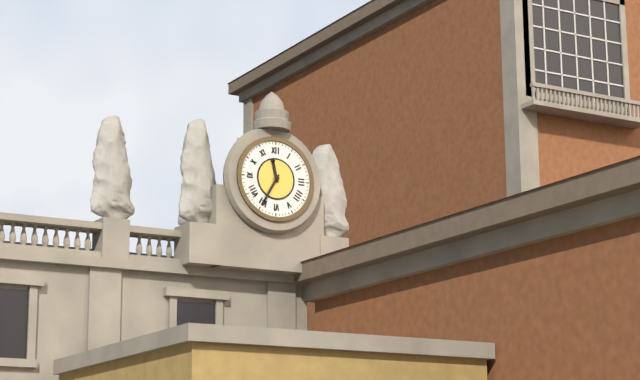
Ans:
11h35
